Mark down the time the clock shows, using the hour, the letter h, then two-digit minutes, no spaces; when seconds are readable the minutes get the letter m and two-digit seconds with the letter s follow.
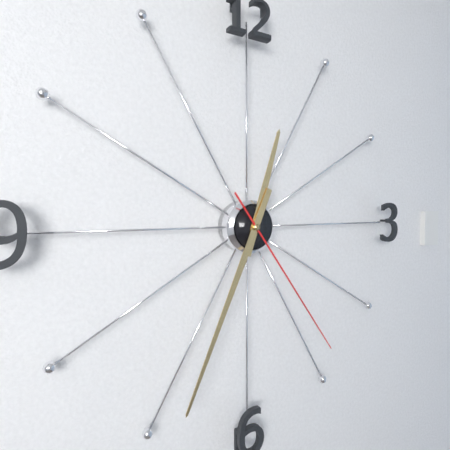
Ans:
12h34m24s
